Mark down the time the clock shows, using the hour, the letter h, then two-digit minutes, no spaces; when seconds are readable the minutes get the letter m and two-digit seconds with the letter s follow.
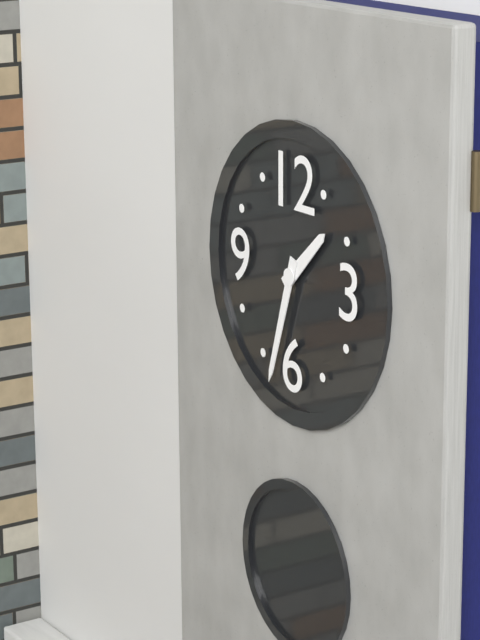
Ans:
1h33
